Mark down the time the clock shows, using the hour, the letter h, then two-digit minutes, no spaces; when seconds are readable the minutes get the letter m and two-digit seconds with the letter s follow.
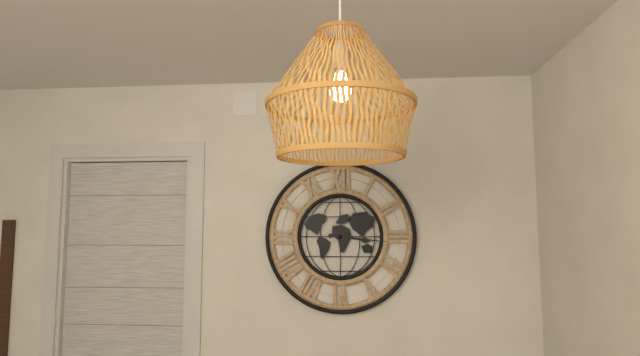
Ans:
3h16
